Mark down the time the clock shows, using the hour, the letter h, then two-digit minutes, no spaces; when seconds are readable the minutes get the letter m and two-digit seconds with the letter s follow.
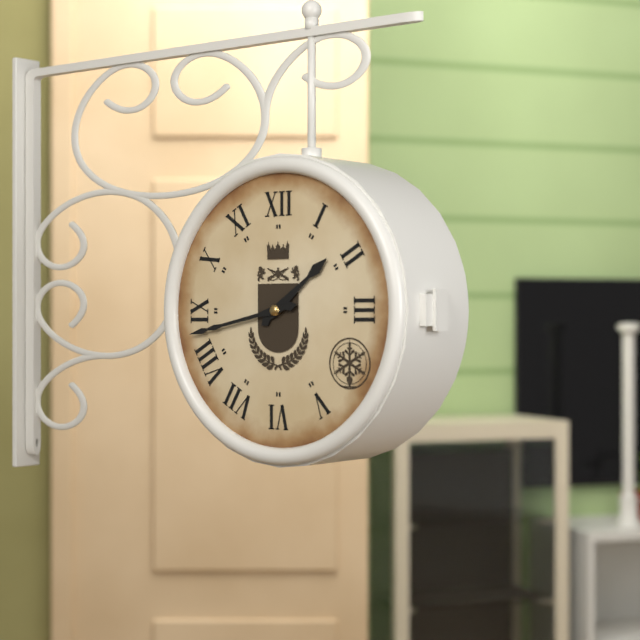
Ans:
1h43
